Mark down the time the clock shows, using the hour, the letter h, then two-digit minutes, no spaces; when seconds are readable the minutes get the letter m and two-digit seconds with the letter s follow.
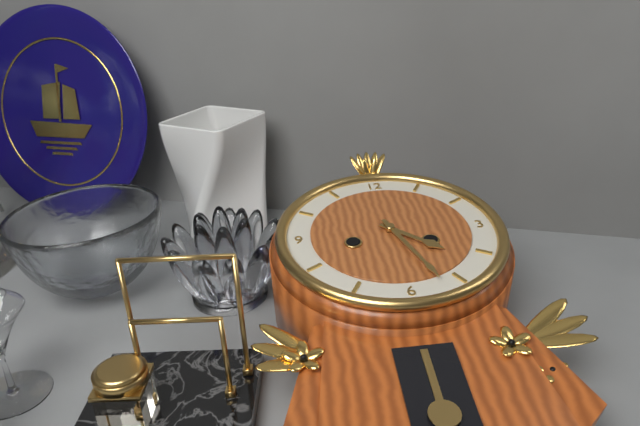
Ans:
4h27
